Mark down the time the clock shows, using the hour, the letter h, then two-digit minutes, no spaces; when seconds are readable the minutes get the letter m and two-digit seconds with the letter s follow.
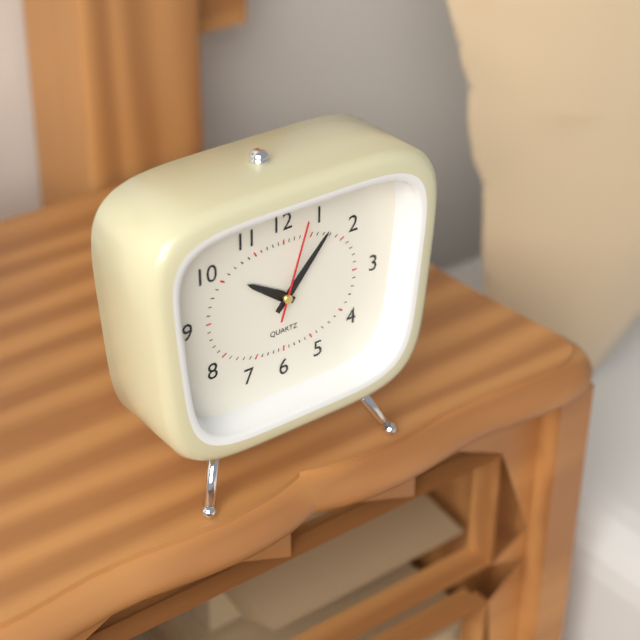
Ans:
10h07m03s
